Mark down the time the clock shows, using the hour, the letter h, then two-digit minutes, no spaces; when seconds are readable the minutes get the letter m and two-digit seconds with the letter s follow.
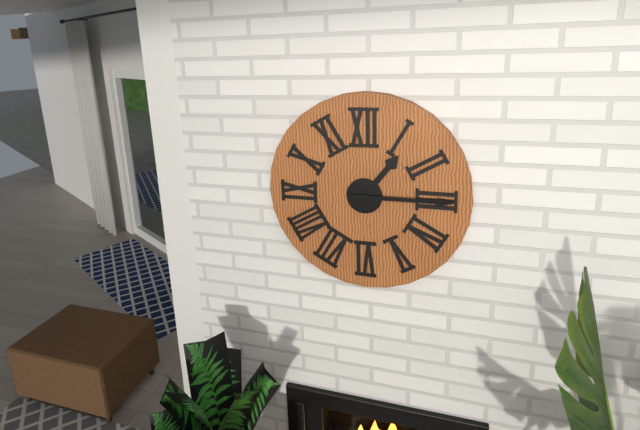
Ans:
1h15
